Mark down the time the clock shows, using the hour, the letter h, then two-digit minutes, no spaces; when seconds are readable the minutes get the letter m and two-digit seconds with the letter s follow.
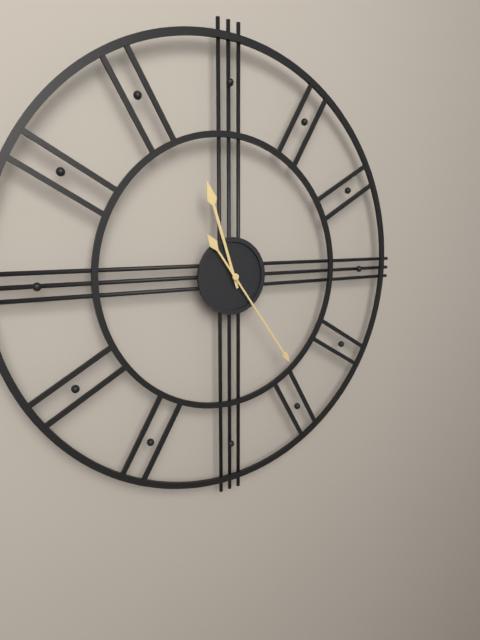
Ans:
11h24
